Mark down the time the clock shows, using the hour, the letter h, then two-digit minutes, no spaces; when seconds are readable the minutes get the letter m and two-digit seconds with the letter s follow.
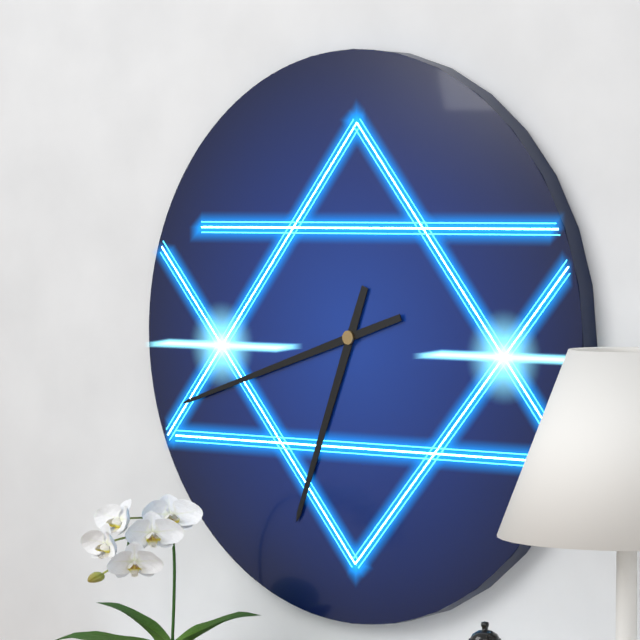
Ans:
6h42
